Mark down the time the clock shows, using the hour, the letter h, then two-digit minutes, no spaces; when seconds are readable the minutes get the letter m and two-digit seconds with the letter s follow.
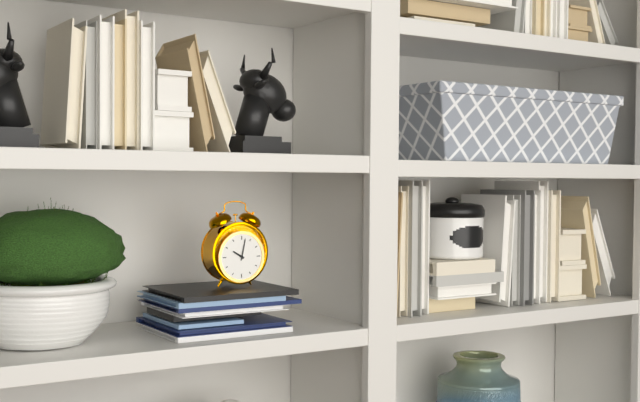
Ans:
10h02
